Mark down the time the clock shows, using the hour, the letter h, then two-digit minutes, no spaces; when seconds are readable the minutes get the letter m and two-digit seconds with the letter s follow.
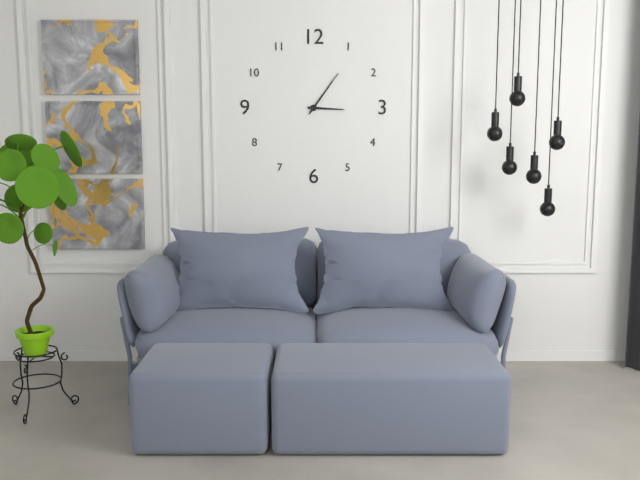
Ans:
3h06
